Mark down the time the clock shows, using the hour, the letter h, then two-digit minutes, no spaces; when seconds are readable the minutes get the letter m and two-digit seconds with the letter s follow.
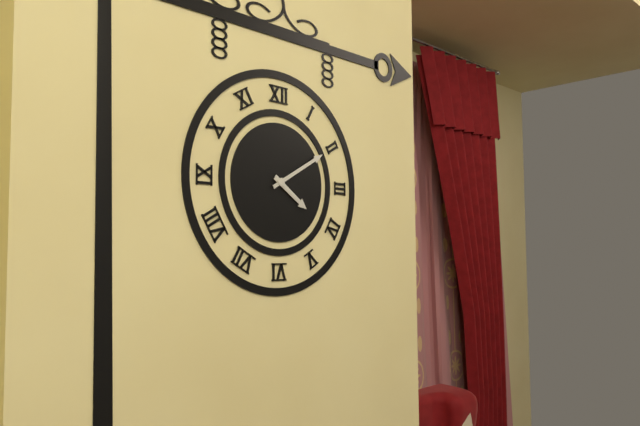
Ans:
4h10
